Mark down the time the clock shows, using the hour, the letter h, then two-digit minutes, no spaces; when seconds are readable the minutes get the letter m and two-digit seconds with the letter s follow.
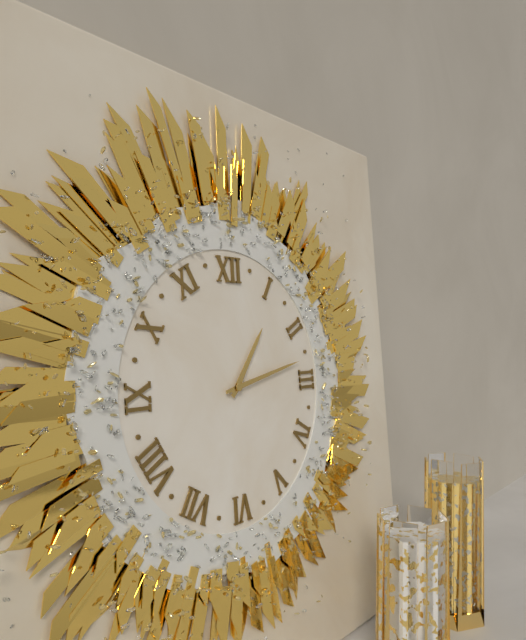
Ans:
1h13
